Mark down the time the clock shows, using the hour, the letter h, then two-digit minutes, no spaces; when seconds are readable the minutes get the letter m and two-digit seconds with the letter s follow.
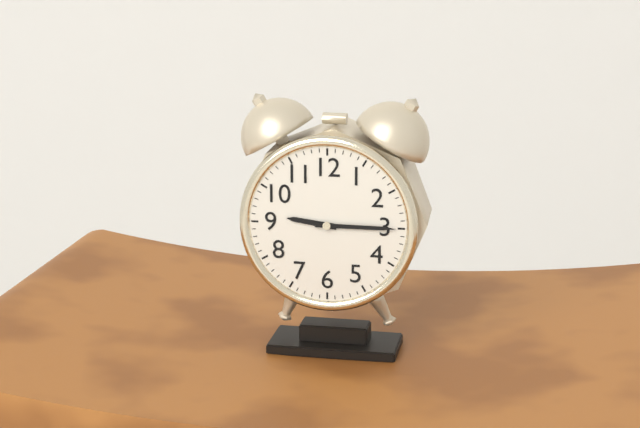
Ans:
9h15
